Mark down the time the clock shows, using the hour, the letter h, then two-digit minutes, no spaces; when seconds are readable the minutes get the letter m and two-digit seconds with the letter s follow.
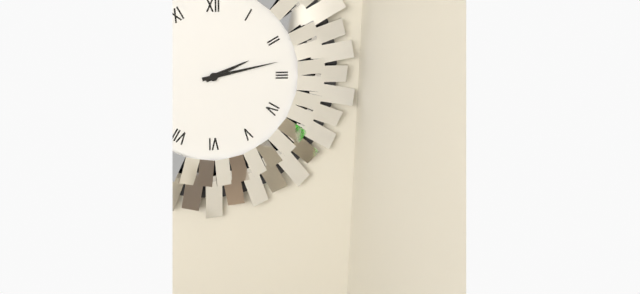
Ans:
2h13
